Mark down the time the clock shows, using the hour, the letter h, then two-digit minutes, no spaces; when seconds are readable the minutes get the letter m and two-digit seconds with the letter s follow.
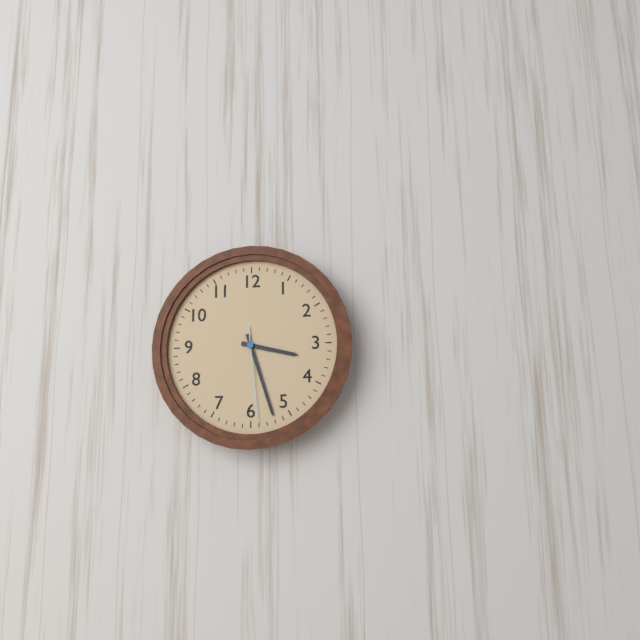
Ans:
3h27m29s
